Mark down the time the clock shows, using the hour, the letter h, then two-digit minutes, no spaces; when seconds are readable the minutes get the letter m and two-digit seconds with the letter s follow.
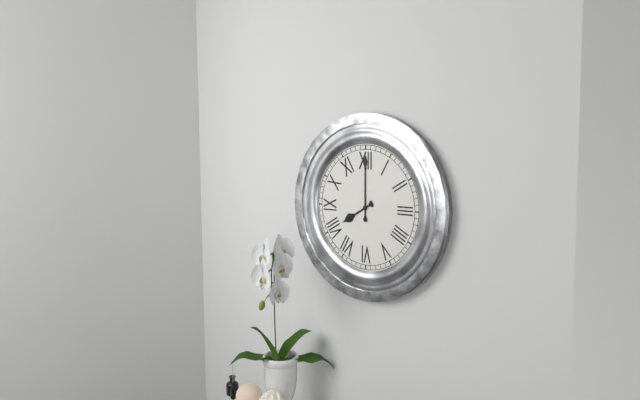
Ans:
8h00
